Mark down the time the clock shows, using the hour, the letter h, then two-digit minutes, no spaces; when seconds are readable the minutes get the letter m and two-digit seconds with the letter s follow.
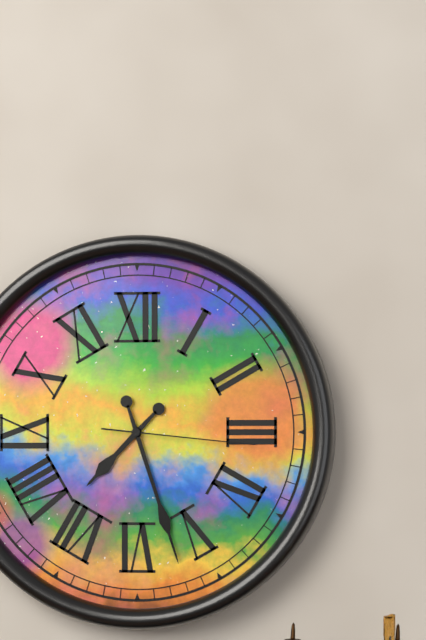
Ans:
7h27m16s
